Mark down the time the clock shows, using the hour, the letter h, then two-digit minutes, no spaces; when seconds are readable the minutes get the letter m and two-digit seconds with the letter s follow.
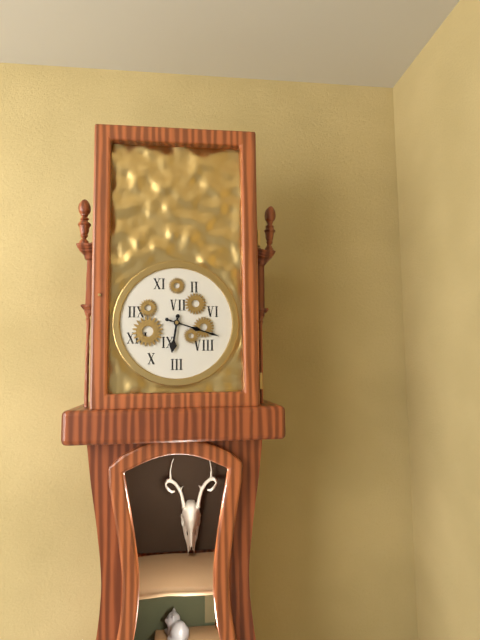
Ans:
6h18
